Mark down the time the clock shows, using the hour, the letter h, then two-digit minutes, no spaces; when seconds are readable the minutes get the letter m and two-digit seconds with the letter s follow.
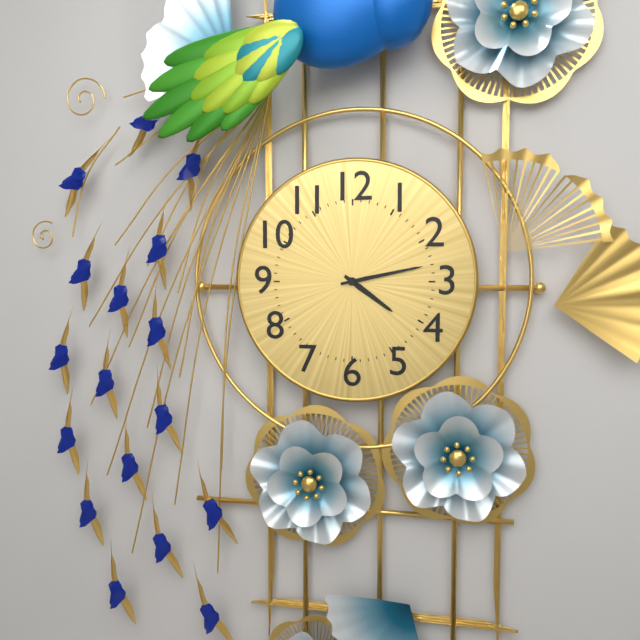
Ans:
4h13
